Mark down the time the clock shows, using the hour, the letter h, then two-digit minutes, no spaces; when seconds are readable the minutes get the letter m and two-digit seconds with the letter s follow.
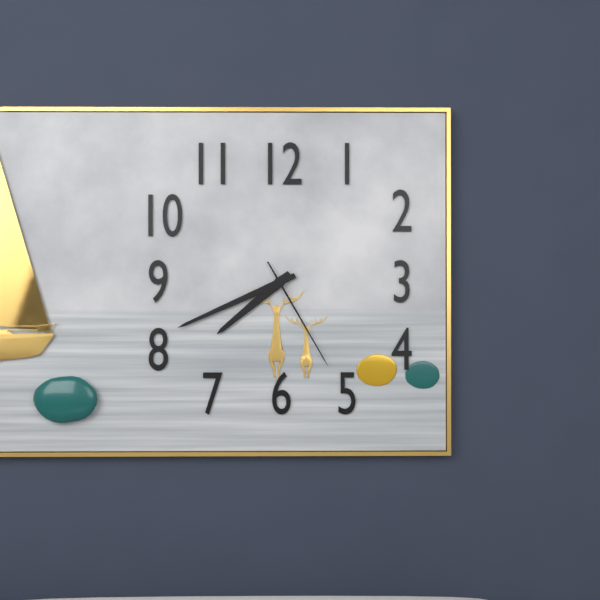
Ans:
7h41m25s
